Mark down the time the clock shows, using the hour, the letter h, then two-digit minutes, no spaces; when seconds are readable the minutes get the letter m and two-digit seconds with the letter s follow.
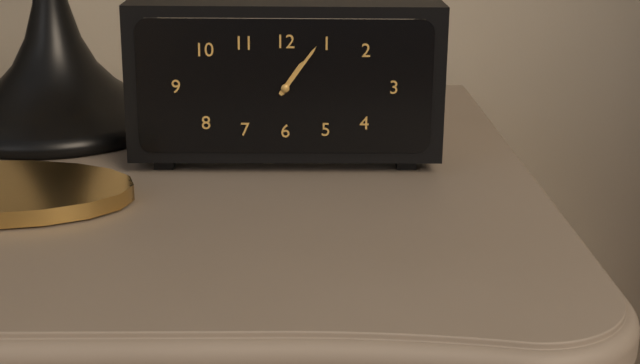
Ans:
1h06
